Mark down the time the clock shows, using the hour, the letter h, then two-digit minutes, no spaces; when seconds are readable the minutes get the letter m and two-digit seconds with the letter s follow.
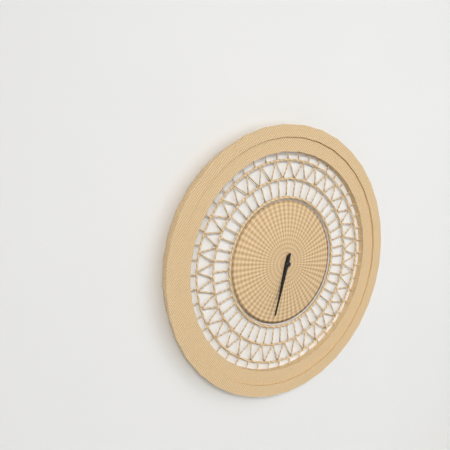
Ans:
6h33
